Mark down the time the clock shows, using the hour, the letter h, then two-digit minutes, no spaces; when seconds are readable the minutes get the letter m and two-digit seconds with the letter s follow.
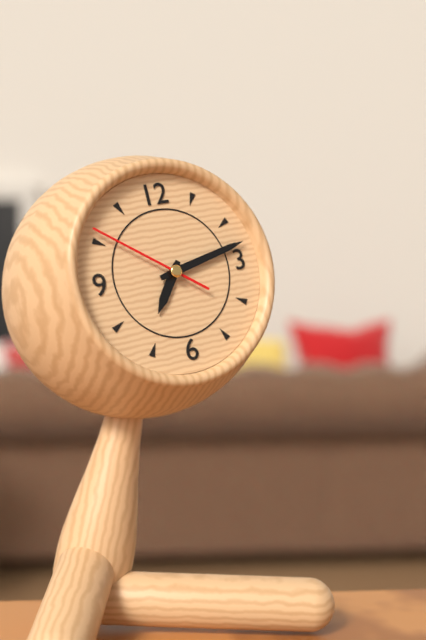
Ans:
7h13m51s
